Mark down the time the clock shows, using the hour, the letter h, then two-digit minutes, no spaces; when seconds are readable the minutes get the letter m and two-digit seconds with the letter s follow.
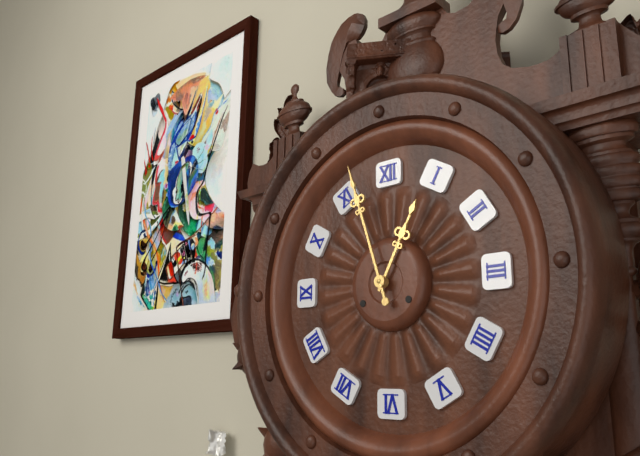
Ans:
12h57
